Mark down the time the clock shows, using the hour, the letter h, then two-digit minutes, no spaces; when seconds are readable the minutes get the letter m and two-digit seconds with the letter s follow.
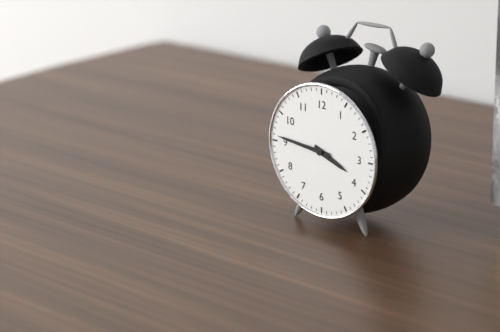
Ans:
3h46
